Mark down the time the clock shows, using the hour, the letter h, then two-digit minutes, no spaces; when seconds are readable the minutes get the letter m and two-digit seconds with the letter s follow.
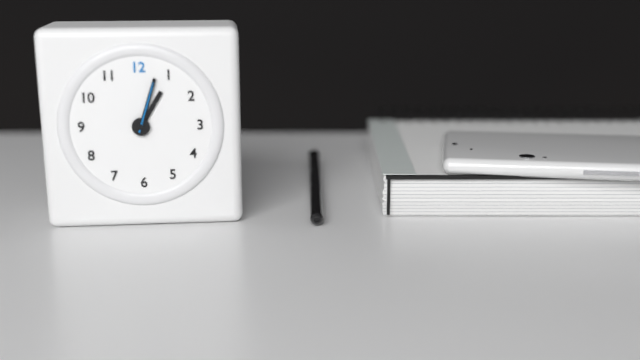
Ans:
1h03m03s
